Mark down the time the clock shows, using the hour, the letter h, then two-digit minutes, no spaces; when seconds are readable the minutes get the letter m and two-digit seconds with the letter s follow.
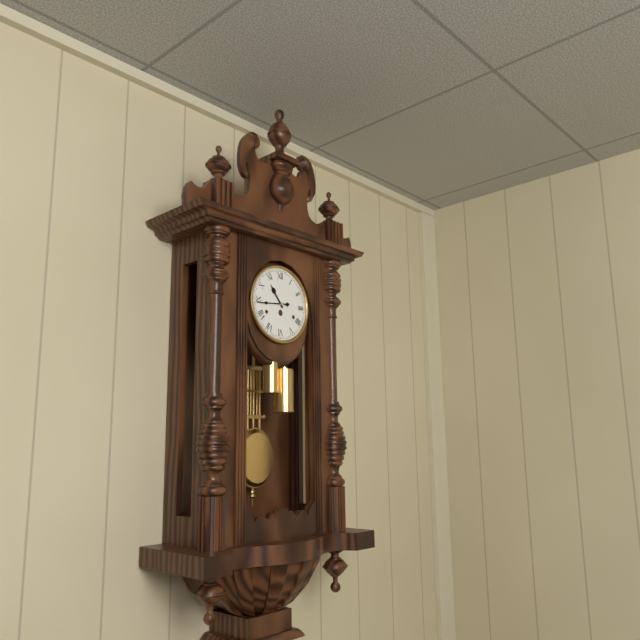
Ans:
10h44
